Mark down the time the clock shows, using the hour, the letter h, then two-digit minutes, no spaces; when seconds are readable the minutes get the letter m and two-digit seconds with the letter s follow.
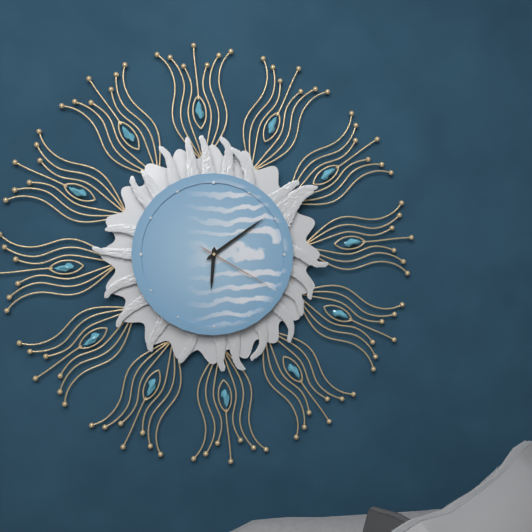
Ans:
6h09m20s
